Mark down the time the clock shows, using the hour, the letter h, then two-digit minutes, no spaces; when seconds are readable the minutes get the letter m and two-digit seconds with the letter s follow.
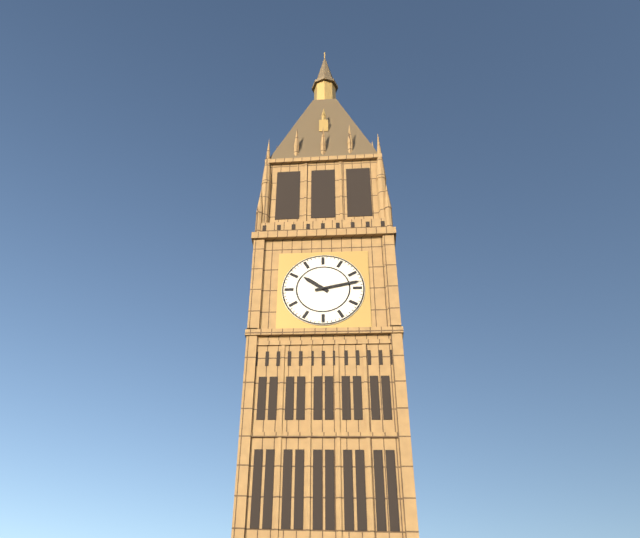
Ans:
10h13
